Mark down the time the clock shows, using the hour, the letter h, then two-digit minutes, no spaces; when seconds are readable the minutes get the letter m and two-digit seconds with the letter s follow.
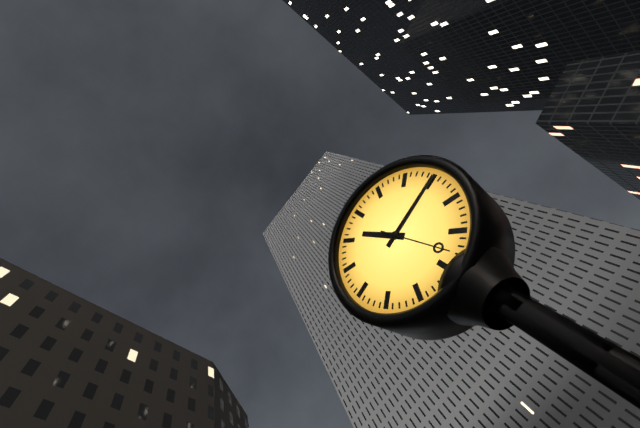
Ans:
11h15
